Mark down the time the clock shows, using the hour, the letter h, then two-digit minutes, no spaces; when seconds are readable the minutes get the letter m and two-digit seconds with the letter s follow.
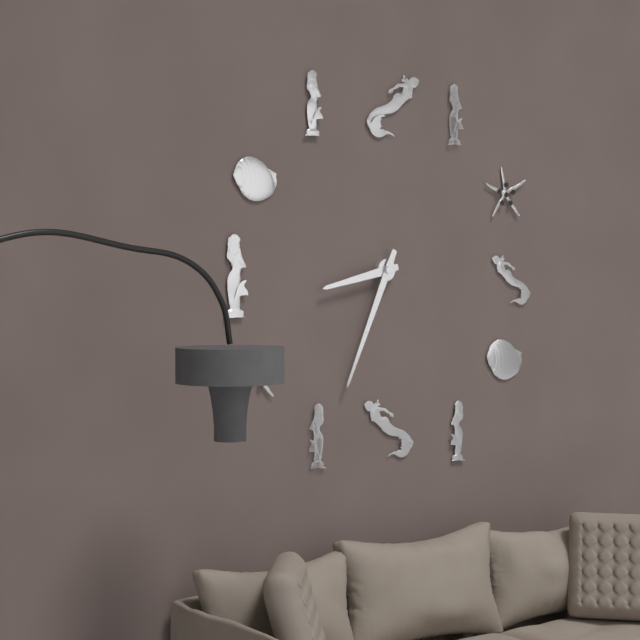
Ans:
8h34
